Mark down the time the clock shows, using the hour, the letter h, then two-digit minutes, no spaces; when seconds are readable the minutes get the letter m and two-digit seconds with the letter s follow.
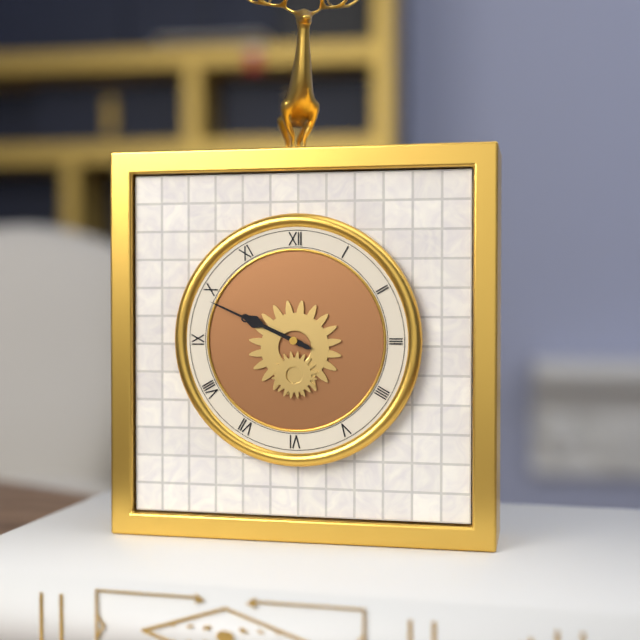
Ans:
9h49
